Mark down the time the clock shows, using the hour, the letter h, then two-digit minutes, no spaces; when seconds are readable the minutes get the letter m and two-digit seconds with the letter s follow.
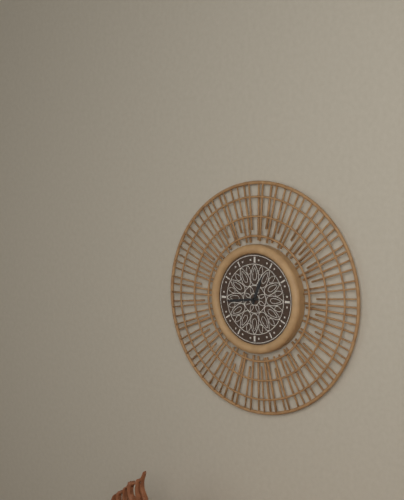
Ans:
12h44
